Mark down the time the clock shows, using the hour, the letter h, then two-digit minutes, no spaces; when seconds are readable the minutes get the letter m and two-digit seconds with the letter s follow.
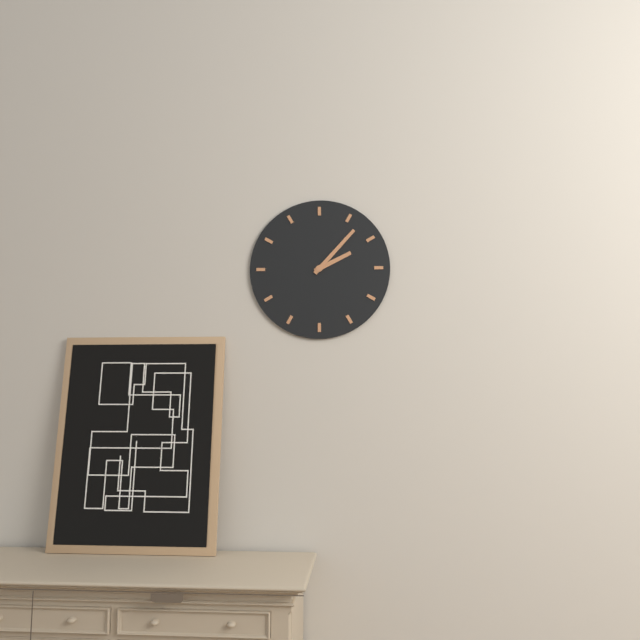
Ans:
2h07
